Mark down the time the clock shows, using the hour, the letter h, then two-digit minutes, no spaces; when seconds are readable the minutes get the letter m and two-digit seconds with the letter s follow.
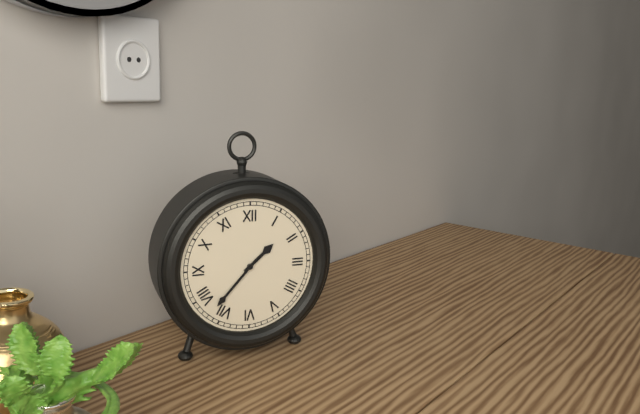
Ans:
1h37
